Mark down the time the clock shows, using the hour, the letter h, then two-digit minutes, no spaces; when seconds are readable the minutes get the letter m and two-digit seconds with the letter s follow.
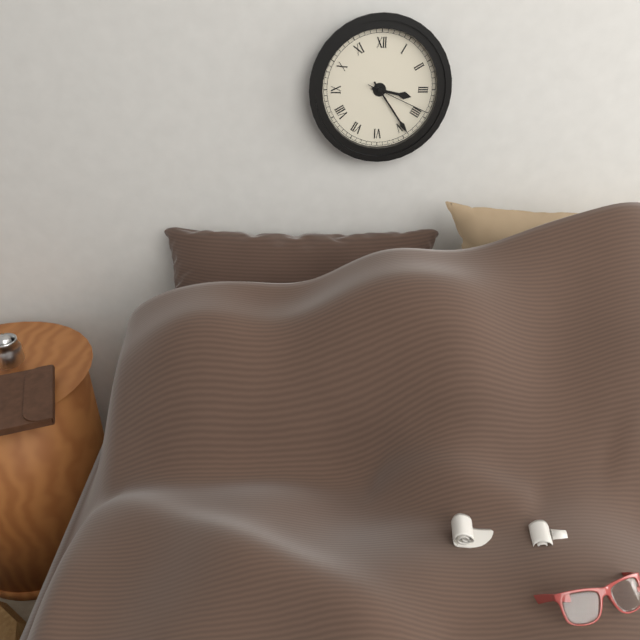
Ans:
3h24m19s
